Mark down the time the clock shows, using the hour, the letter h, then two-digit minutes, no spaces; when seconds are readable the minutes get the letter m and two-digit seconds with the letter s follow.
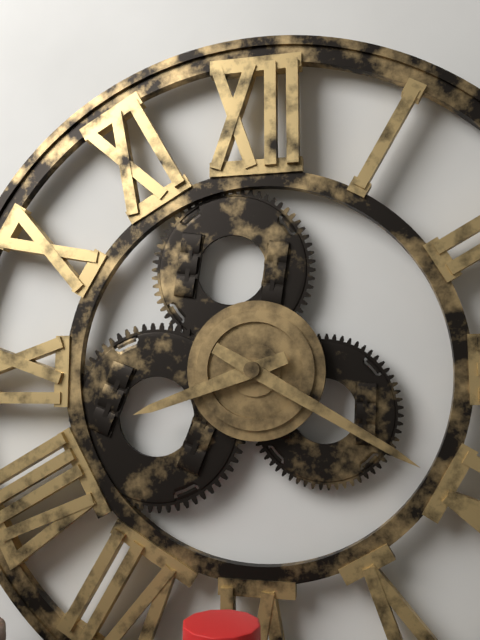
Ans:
8h20
